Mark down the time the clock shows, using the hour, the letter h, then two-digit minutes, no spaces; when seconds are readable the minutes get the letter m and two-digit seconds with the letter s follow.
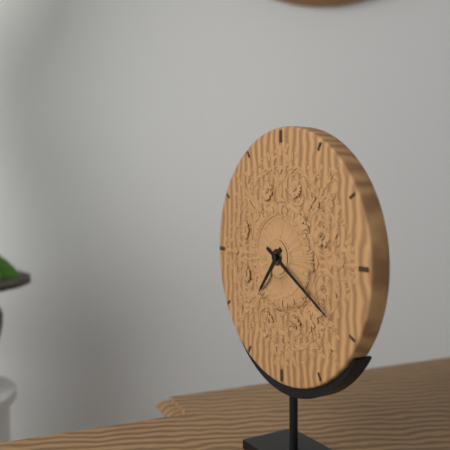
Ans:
7h20
